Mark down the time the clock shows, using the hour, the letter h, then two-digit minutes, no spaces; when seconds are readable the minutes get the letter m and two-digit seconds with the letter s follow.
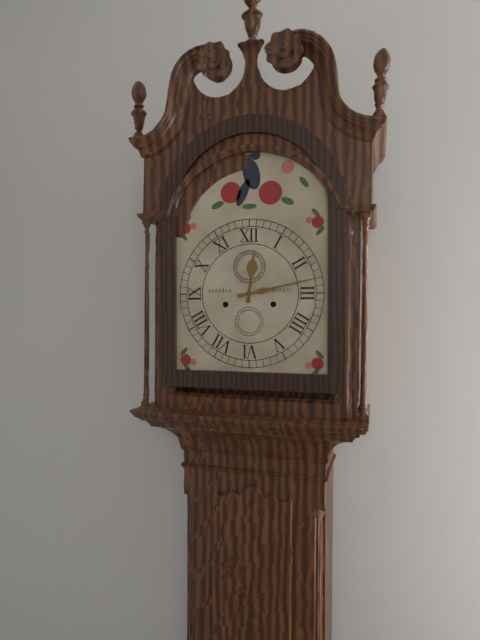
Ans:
12h13
